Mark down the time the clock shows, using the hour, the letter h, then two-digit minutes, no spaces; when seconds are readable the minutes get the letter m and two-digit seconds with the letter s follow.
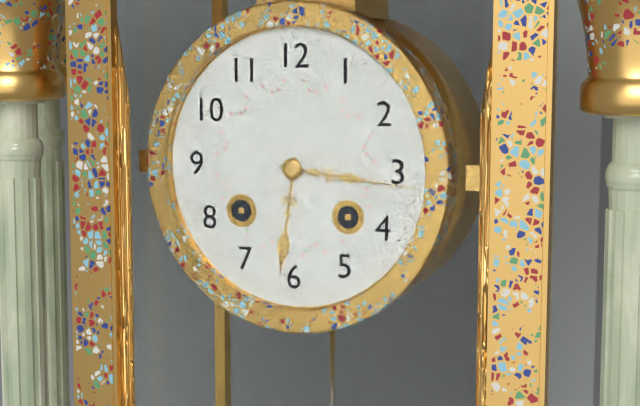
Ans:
6h16
